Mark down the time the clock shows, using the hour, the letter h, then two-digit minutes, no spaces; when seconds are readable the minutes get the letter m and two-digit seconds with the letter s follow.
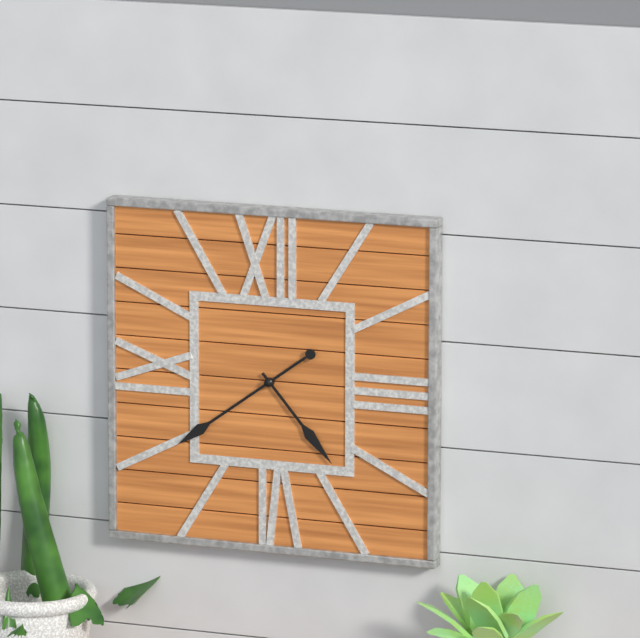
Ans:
4h39
